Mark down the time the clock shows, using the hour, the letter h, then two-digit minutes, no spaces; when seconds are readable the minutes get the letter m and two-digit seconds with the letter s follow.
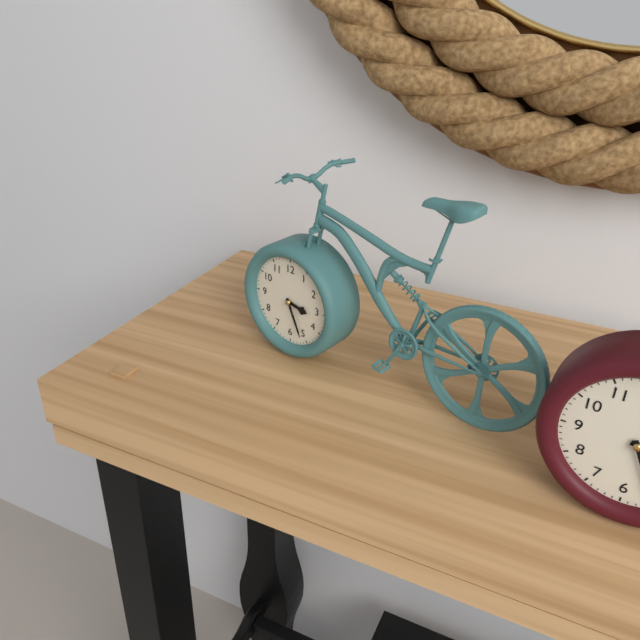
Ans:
3h26
